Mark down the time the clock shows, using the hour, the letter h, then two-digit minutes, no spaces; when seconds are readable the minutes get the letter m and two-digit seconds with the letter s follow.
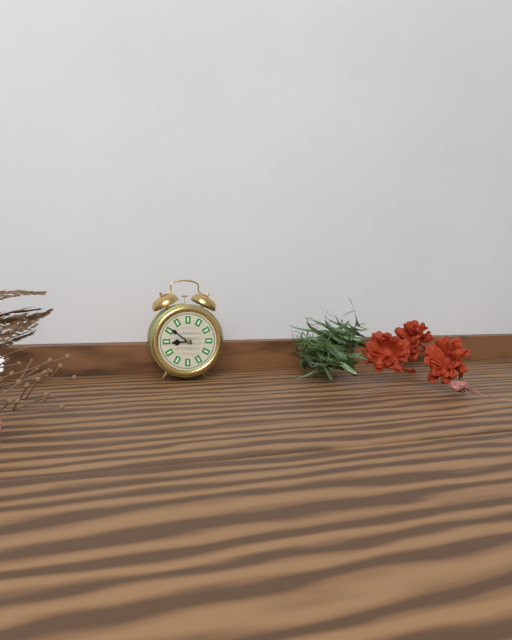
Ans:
8h51
